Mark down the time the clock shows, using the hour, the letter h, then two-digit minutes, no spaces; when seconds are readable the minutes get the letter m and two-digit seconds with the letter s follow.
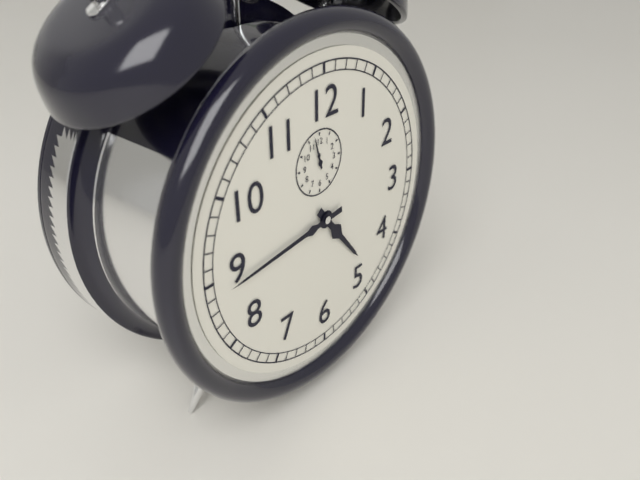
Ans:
4h44
